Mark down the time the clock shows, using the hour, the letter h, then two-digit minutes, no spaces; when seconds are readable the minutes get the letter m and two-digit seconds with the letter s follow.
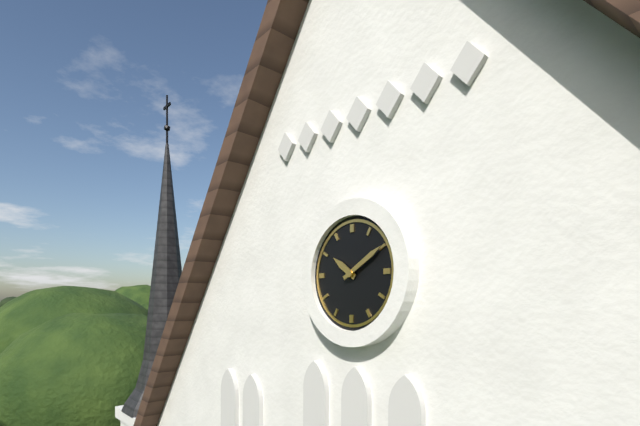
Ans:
10h10
